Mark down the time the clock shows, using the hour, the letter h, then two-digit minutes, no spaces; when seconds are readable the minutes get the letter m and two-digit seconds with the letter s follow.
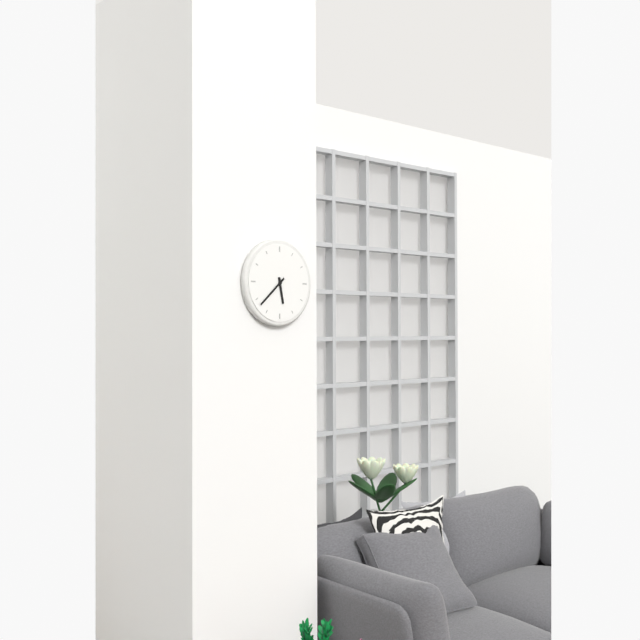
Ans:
5h38
